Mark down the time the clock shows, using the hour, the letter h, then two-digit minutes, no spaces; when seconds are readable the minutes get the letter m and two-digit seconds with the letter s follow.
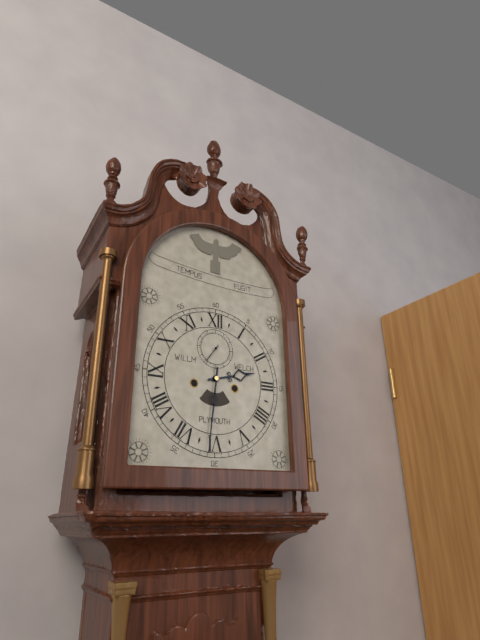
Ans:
2h31
